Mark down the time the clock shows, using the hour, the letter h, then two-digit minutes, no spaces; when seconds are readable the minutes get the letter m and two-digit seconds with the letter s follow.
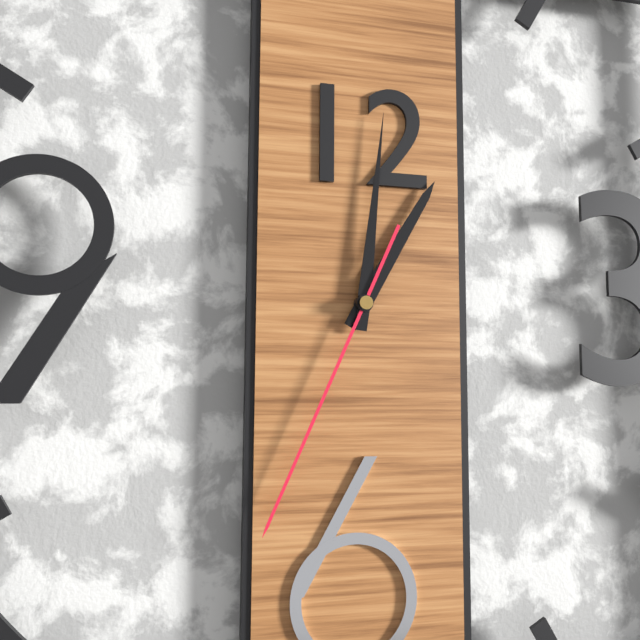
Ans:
1h01m34s
